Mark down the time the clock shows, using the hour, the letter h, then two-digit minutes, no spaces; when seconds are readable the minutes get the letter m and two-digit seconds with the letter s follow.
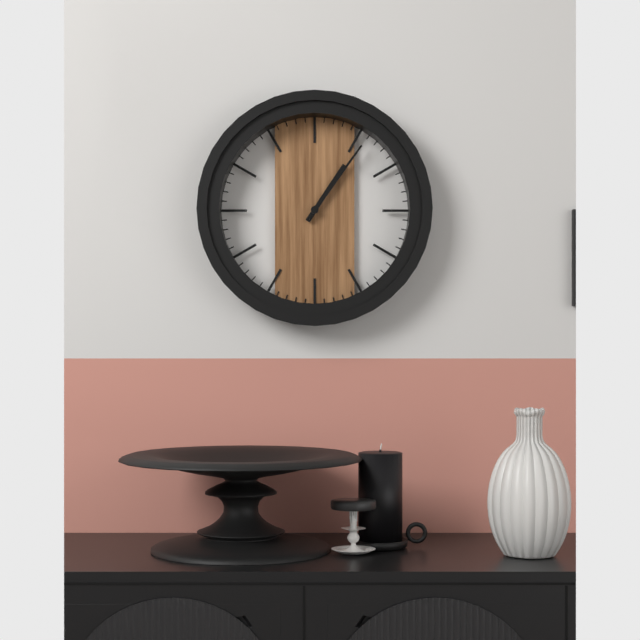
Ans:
1h06
